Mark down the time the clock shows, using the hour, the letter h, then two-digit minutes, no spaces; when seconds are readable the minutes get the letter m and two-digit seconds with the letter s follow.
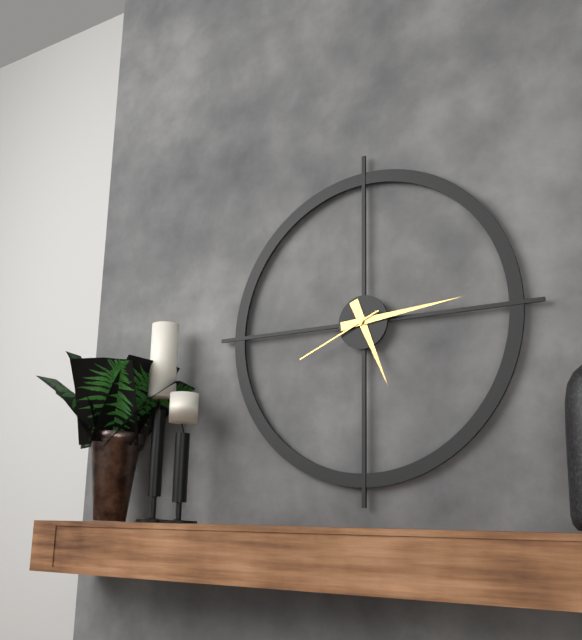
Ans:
5h14m41s
